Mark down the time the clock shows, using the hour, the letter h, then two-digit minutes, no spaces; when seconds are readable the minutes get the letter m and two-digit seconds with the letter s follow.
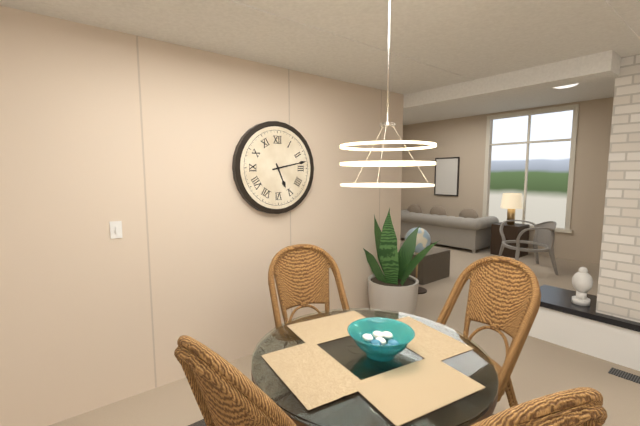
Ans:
5h13
